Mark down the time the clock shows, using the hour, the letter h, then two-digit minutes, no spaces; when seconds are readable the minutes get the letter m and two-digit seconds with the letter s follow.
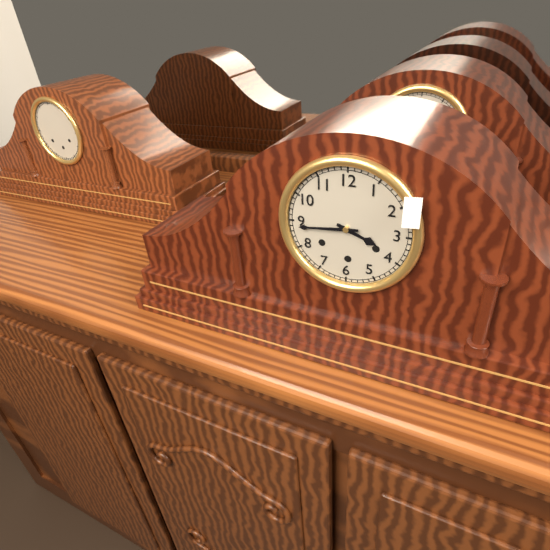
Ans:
3h44
